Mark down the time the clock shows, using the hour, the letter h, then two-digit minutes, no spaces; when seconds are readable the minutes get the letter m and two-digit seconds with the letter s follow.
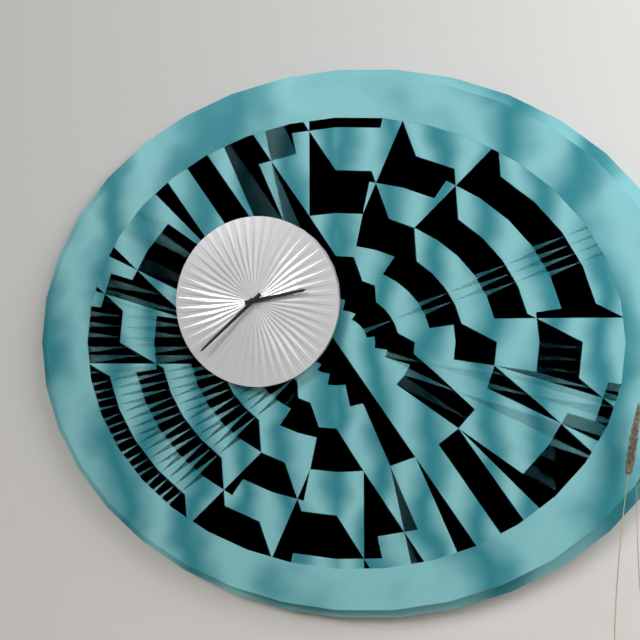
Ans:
2h38
